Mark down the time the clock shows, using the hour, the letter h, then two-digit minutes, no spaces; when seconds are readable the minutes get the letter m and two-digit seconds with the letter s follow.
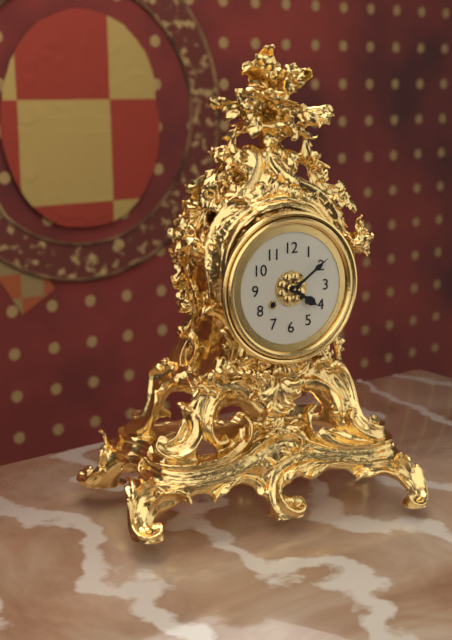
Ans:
4h09
